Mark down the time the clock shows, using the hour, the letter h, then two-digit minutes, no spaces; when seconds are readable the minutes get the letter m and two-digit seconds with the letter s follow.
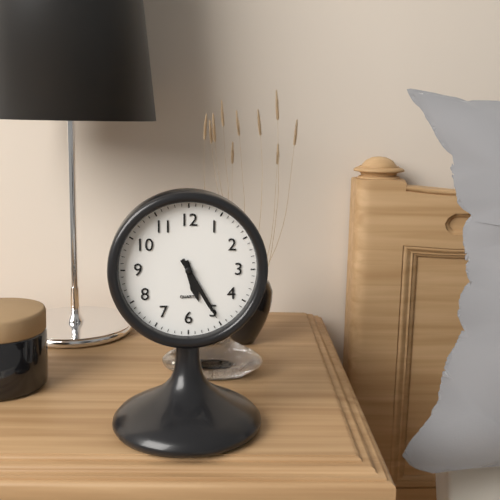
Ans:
5h25
